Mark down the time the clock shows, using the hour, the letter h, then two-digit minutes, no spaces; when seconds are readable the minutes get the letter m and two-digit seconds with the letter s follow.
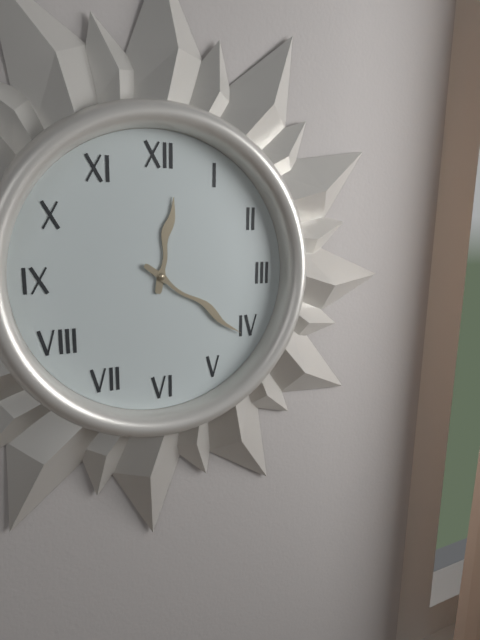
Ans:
12h21
